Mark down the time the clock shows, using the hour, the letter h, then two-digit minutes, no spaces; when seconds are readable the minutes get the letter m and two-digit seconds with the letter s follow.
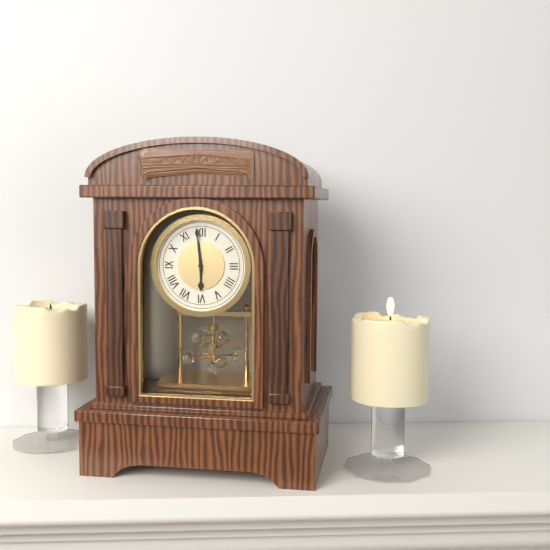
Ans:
5h59
